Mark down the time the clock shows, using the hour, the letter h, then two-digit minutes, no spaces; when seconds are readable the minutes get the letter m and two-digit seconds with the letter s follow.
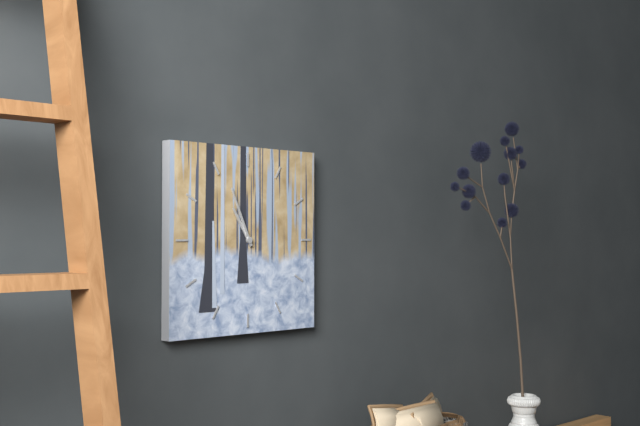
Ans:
10h56
